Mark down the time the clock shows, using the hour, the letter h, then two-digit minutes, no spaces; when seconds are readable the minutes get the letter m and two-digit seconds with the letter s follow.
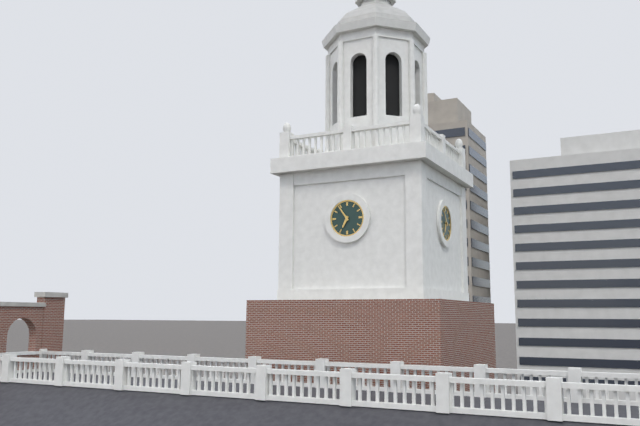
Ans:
6h54
